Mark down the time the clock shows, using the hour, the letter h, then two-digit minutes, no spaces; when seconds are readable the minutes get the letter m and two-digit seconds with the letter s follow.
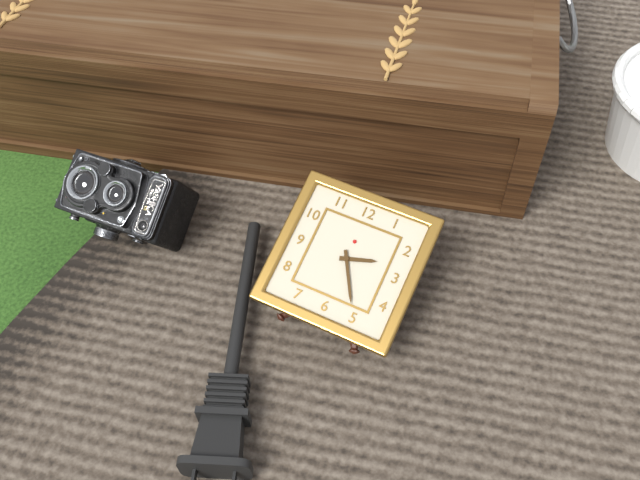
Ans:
2h25
